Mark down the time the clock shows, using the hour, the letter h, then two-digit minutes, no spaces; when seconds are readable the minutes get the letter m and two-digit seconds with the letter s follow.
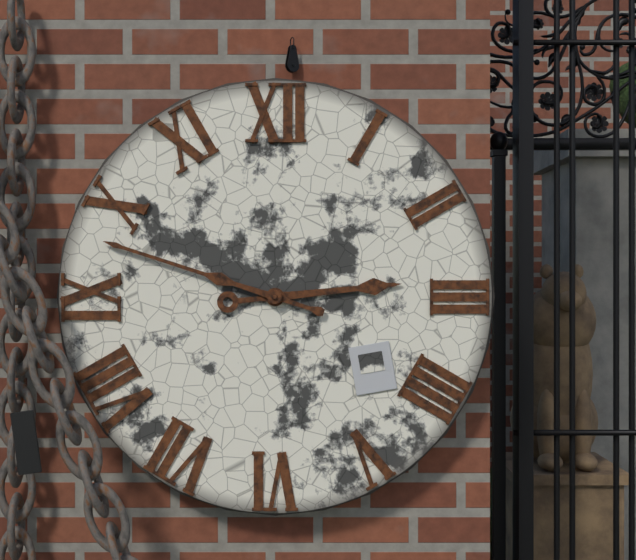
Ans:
2h48
